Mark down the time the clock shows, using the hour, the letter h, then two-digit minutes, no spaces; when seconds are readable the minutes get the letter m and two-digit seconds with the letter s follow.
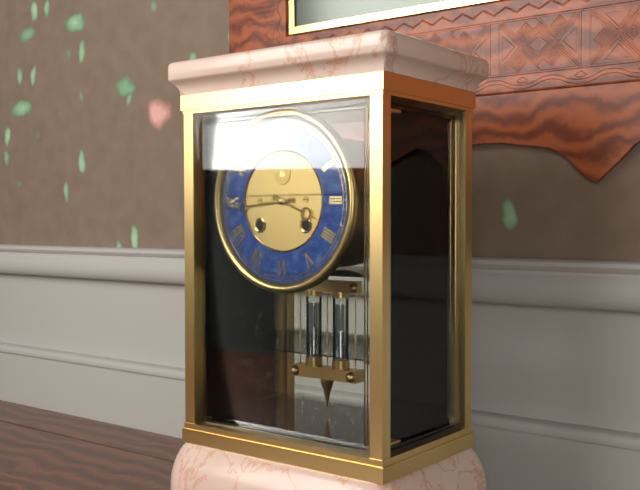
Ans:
3h44
